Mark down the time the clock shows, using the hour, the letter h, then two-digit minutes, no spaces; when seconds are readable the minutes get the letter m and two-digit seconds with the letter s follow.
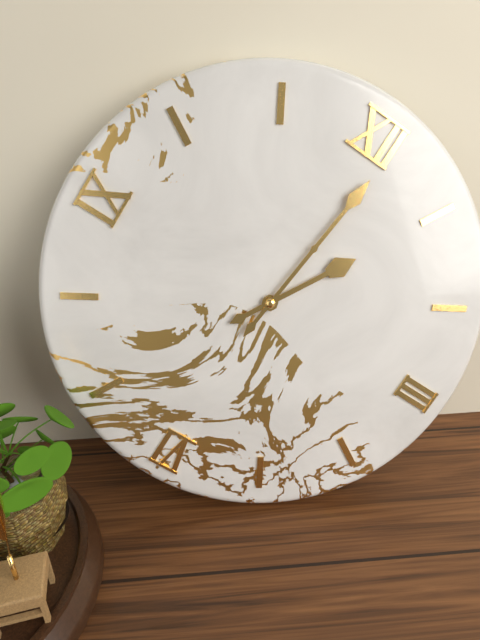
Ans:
1h01
